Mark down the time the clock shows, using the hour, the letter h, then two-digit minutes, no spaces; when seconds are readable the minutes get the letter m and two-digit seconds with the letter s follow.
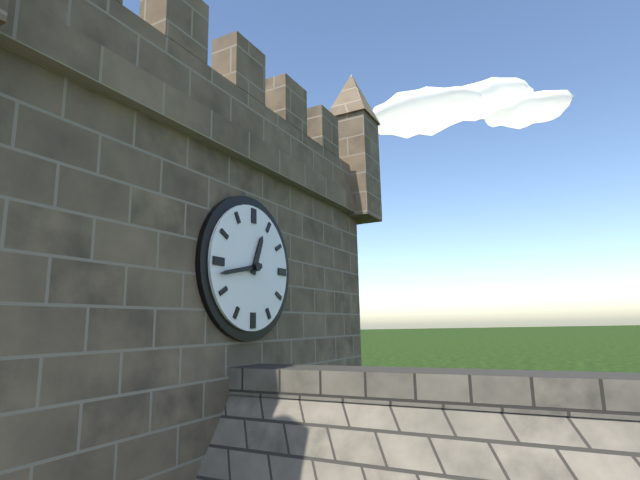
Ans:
12h43
